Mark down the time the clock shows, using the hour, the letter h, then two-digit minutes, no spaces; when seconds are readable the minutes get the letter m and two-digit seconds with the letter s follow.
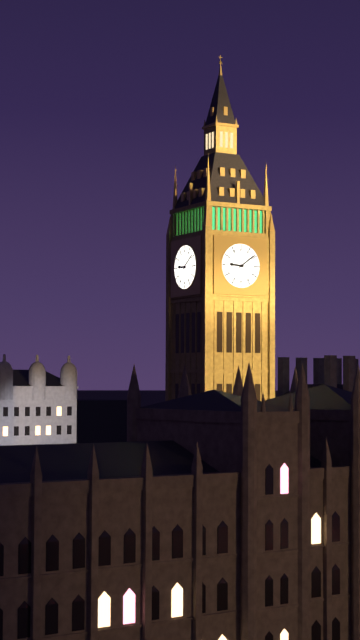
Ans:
9h09
